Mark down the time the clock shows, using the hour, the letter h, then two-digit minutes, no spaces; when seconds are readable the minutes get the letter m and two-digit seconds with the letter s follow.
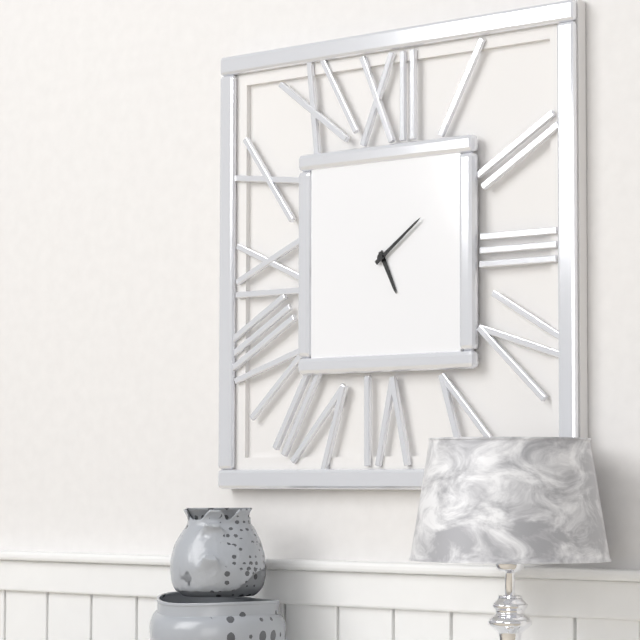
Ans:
5h09
